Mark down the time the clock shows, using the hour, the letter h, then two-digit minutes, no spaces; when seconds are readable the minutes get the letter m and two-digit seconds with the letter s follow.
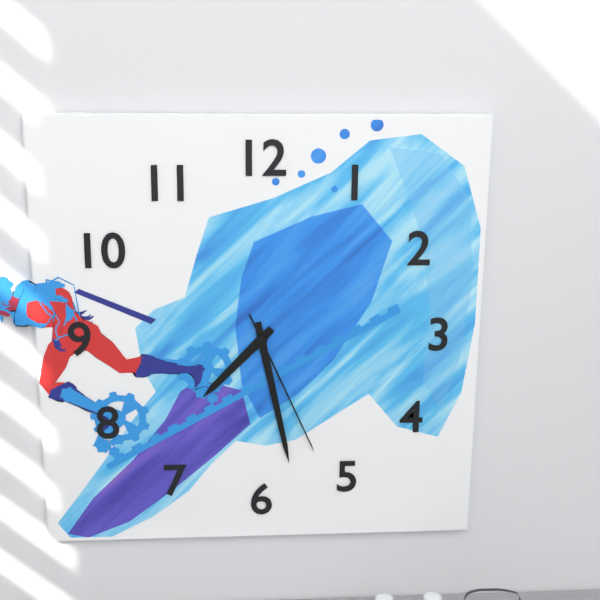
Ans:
7h28m26s
